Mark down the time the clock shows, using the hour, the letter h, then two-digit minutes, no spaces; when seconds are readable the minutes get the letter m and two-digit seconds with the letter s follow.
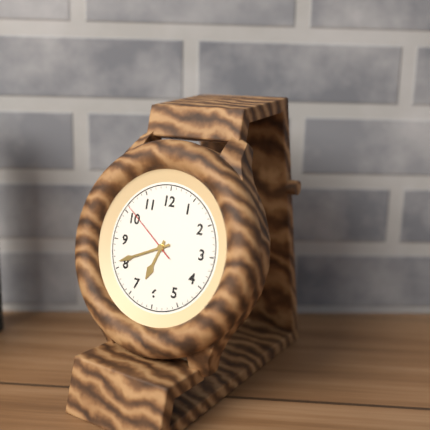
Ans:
6h41m51s
